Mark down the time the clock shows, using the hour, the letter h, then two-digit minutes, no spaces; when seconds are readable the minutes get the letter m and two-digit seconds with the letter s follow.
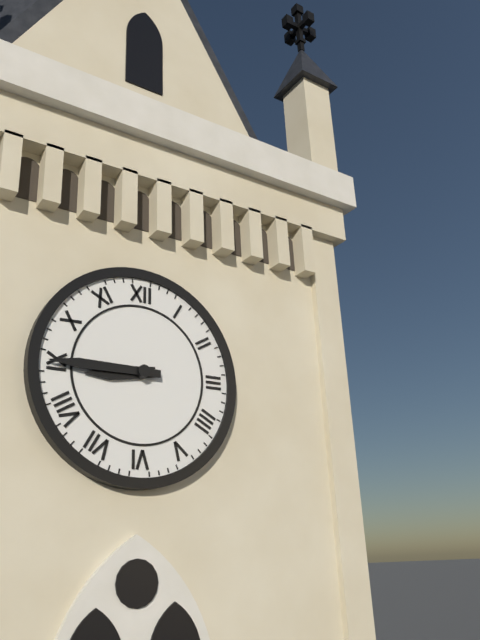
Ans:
8h45
